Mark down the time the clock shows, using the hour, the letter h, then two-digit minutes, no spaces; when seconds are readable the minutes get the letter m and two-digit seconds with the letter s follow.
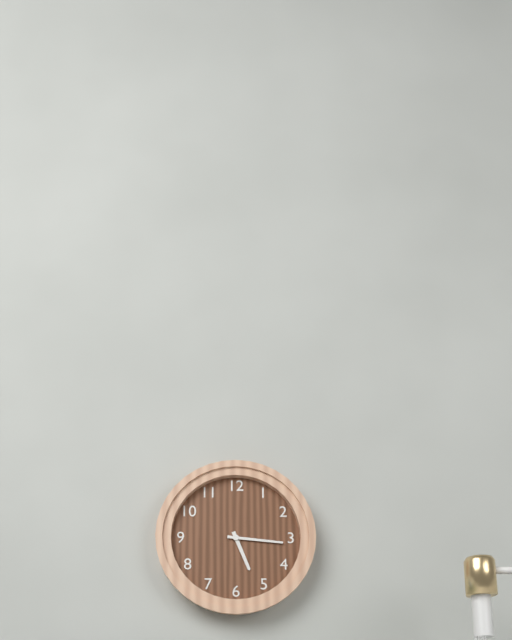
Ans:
5h16
